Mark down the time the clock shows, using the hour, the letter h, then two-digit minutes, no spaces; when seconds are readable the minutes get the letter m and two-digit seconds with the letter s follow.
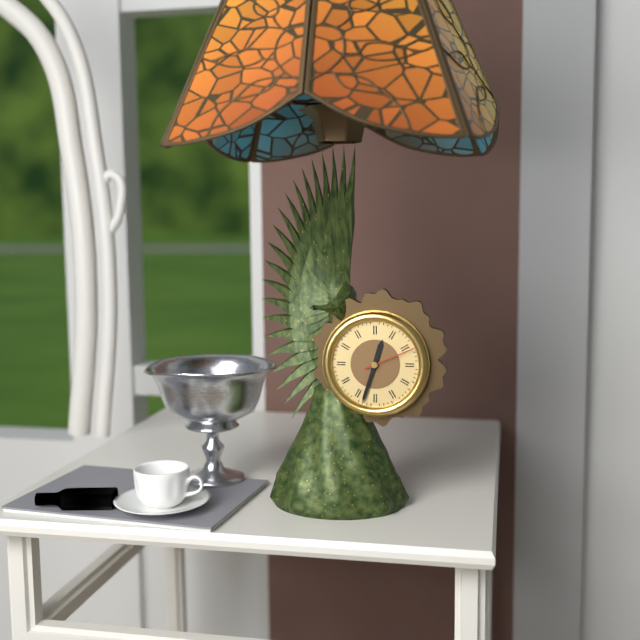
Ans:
12h33m11s
